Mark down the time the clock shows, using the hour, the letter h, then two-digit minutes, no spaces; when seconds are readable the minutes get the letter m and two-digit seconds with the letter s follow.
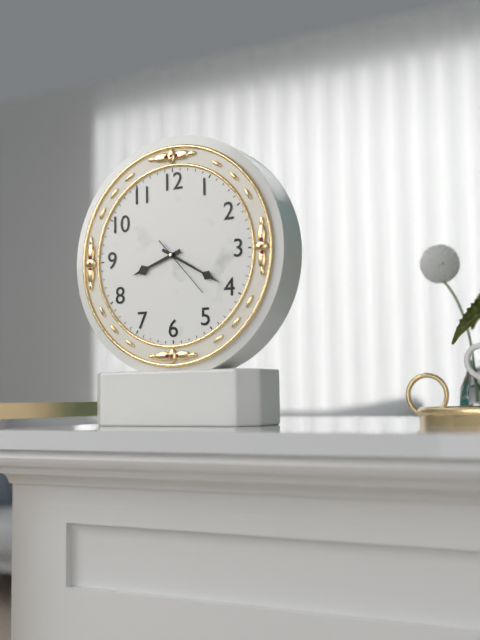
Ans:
8h20m23s
